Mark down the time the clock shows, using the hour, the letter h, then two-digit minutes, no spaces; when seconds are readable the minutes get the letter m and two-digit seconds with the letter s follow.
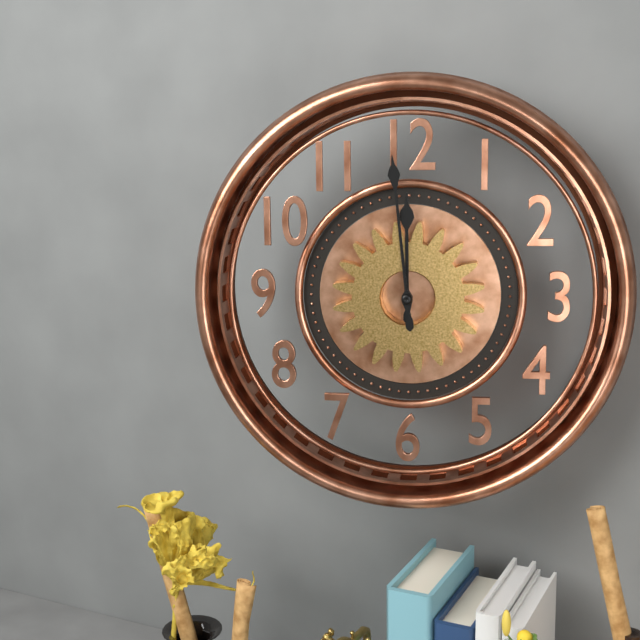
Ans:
11h59
